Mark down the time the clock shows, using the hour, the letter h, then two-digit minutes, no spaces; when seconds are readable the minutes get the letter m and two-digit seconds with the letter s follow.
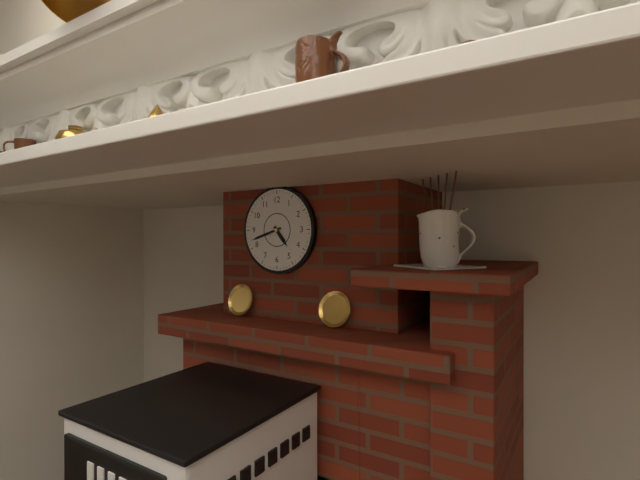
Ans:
4h42
